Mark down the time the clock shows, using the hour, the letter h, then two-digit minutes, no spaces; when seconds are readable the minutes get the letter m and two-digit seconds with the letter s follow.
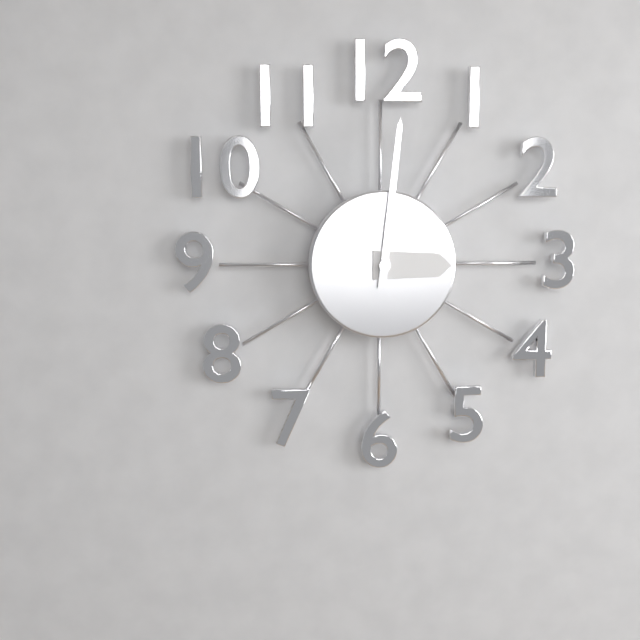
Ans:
3h01
